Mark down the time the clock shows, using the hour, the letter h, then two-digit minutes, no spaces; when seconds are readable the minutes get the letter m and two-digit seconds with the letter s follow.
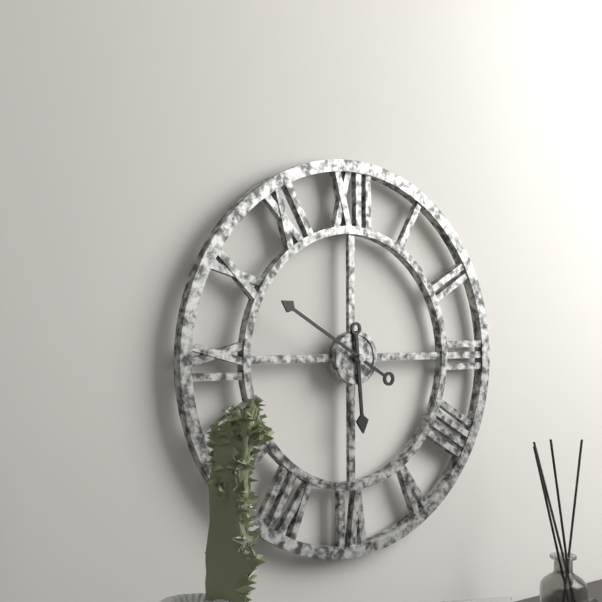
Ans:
5h50
